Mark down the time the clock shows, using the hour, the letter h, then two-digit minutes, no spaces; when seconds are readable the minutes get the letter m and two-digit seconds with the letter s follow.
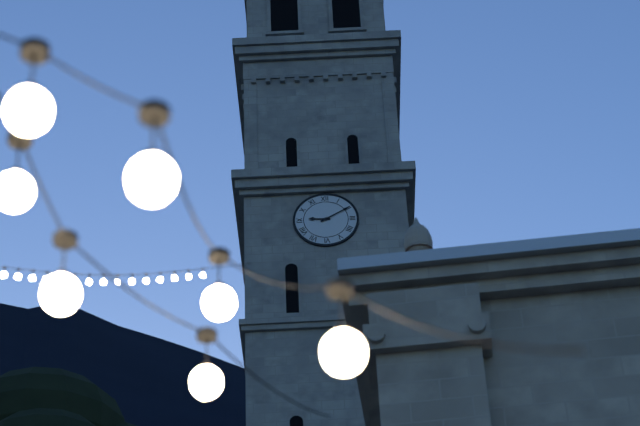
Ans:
9h10
